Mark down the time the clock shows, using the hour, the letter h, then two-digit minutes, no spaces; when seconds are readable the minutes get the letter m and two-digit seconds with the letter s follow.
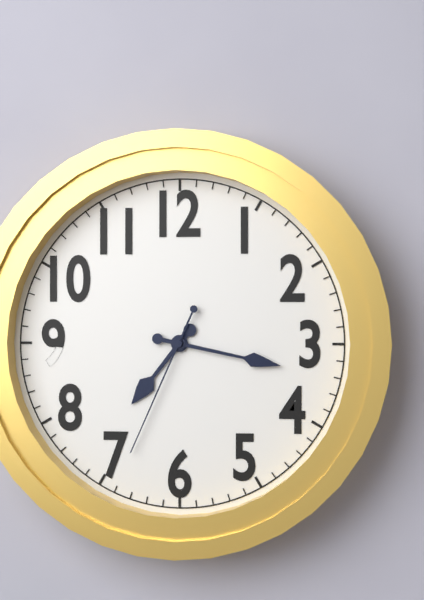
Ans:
7h17m34s
